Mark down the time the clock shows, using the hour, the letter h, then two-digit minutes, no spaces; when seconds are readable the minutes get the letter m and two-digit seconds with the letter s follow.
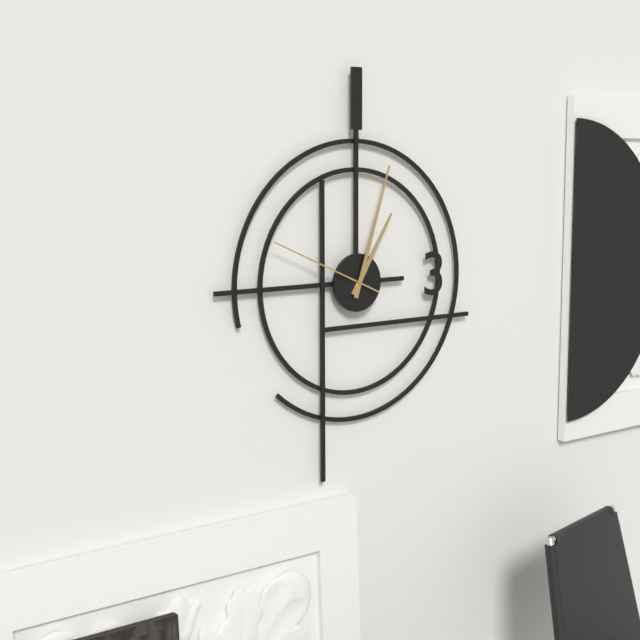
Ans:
1h03m49s
